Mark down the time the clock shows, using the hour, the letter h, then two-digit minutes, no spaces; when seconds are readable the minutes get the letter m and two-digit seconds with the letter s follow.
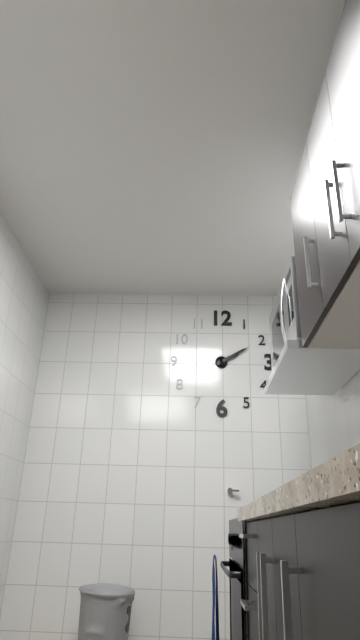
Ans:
2h10
